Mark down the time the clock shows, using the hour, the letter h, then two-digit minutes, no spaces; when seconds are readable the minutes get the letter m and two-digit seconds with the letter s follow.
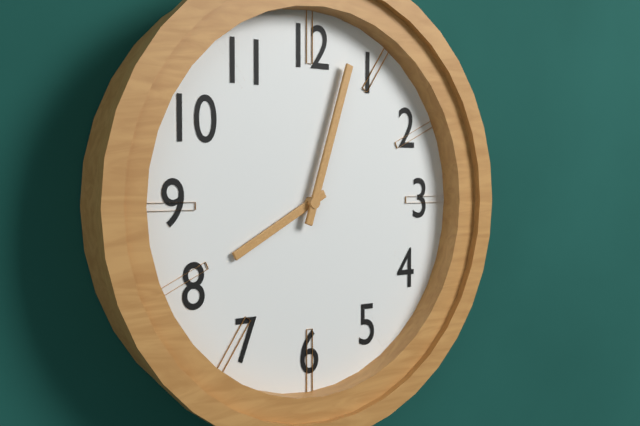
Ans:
8h03
